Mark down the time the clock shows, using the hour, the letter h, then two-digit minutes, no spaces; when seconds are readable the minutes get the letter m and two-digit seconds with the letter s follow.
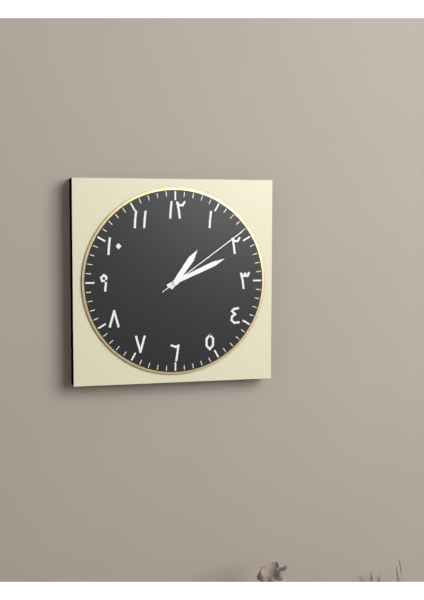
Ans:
1h11m09s
